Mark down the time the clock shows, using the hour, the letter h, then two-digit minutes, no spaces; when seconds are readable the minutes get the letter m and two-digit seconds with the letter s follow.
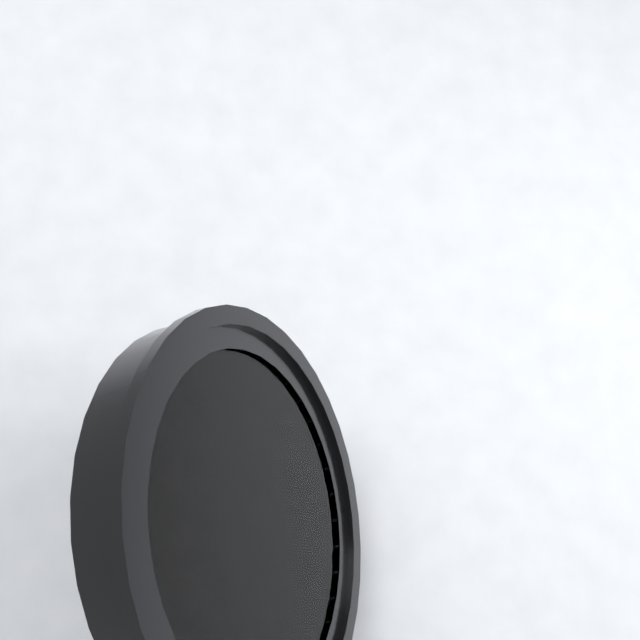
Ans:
8h19m09s
